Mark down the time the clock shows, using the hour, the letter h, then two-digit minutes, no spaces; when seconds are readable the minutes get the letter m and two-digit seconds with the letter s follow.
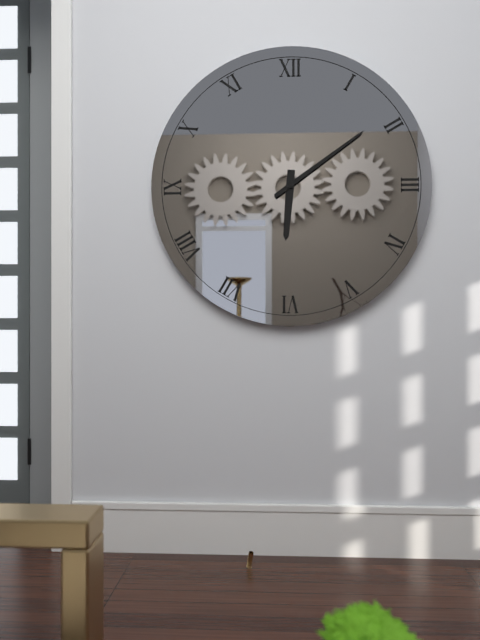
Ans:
6h09
